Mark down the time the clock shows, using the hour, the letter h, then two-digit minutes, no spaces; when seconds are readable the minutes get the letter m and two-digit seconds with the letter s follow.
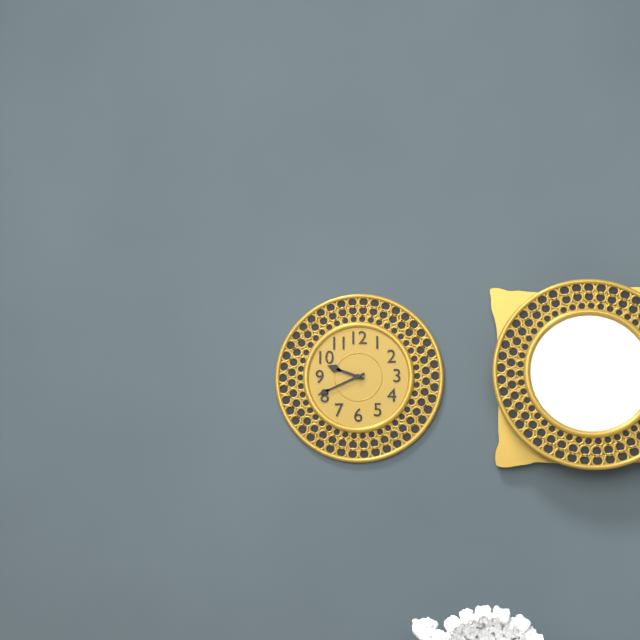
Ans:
9h41
